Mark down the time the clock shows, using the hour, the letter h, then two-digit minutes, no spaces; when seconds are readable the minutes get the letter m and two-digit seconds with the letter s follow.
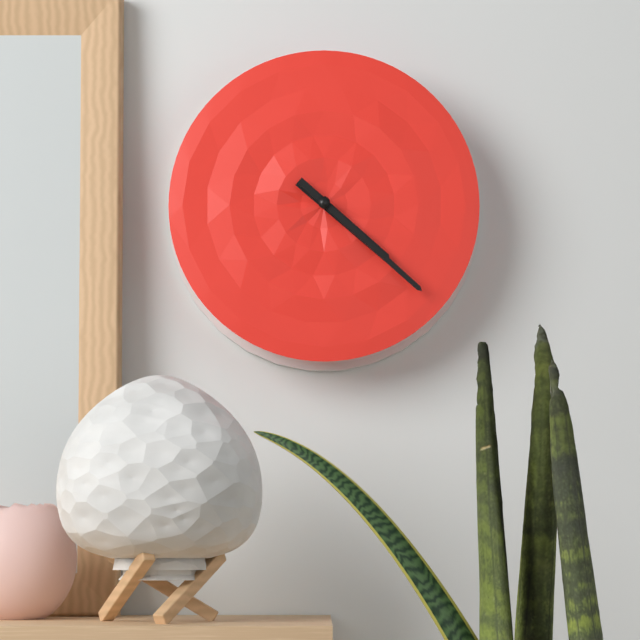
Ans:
4h22
